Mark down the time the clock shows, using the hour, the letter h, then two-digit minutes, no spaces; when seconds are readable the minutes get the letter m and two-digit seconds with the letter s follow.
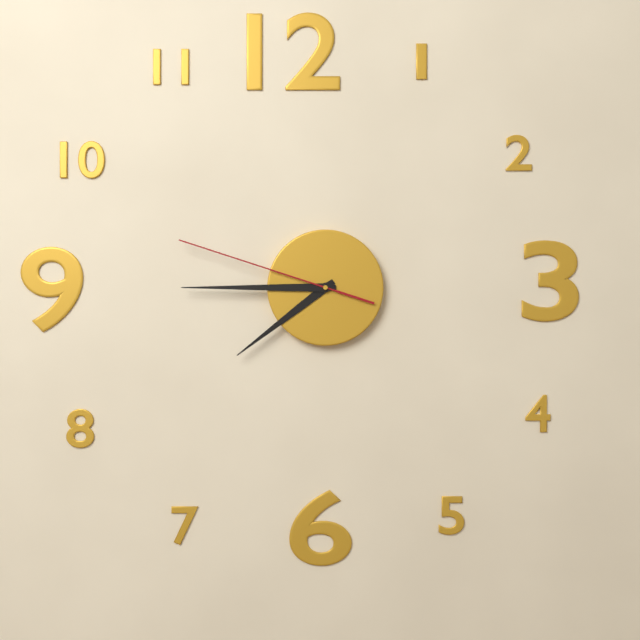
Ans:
7h45m48s
